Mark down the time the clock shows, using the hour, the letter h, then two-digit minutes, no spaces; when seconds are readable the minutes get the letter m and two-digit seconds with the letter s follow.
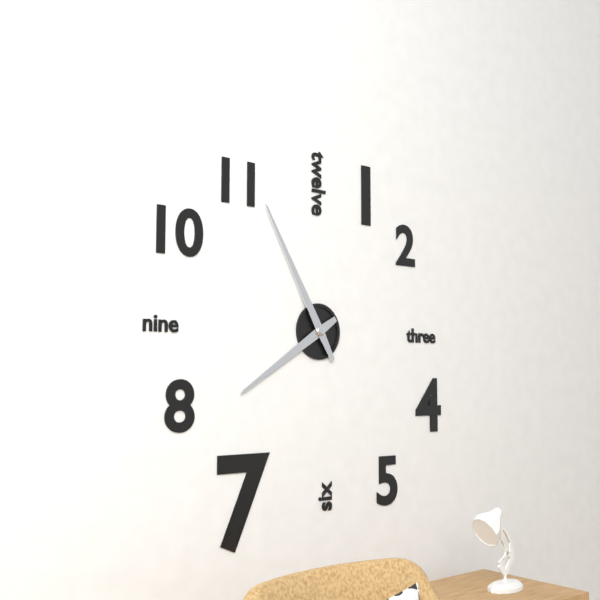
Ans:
7h55
